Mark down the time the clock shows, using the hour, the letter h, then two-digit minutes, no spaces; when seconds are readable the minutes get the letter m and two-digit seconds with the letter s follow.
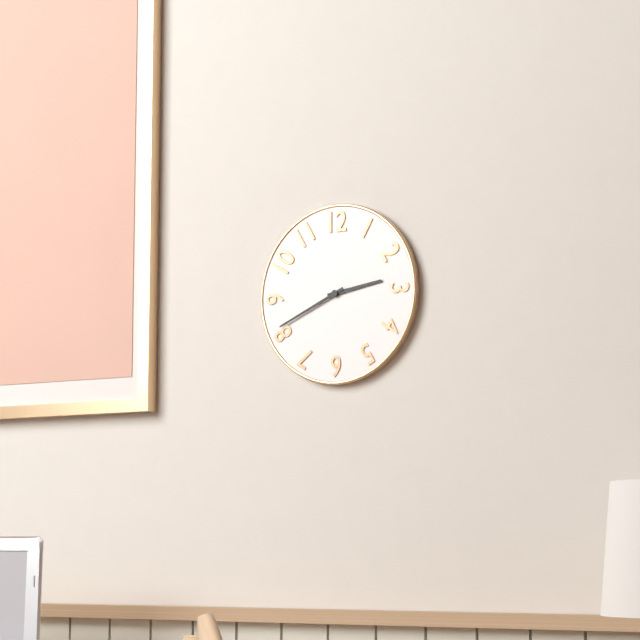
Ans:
2h41
